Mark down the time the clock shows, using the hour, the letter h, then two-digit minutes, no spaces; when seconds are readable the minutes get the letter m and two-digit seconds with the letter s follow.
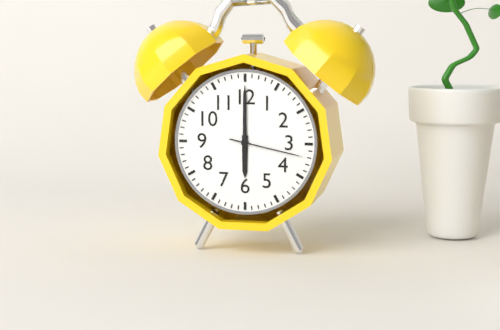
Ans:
6h00m17s
